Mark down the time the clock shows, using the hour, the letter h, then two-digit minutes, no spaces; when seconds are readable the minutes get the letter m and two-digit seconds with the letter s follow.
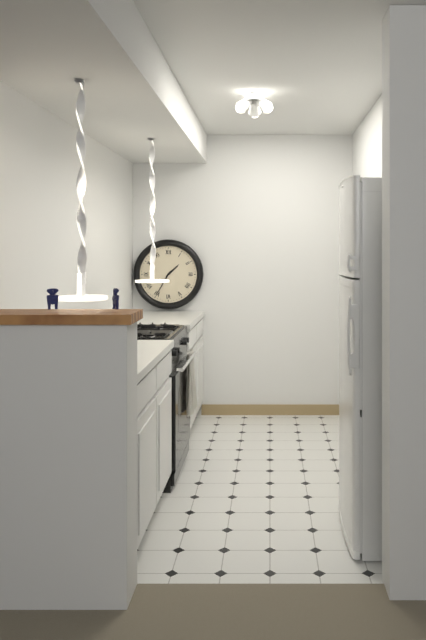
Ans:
1h35
